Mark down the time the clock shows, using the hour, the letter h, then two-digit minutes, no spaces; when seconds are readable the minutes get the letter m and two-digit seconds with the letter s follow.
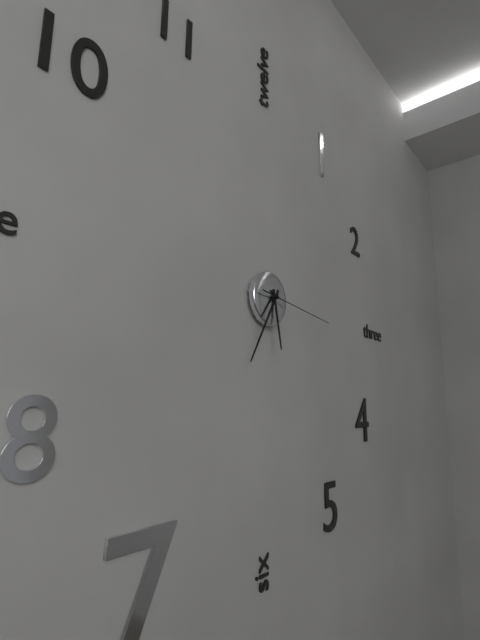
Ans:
5h35m16s
